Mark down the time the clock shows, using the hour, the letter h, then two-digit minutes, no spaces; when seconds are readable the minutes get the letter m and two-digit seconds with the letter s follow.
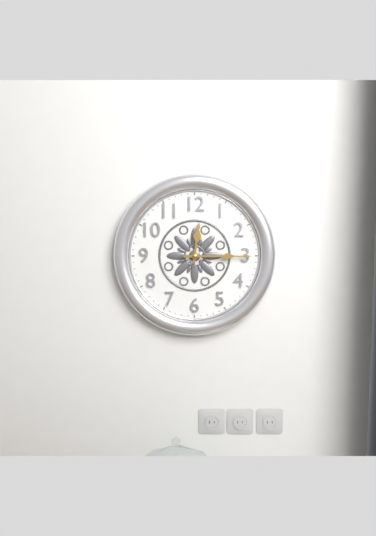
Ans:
12h15
